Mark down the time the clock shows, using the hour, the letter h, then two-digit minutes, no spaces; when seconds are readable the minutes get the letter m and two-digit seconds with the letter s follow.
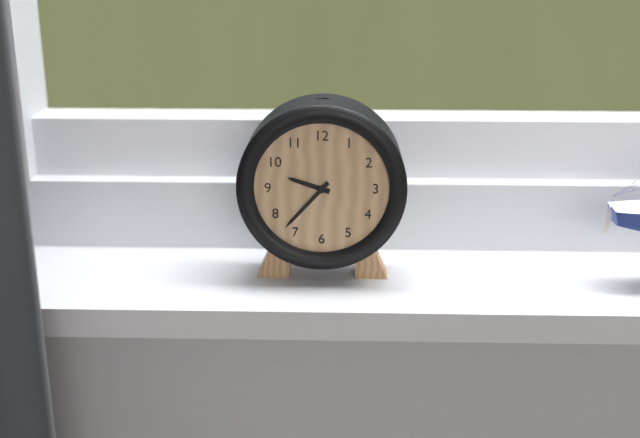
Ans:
9h37
